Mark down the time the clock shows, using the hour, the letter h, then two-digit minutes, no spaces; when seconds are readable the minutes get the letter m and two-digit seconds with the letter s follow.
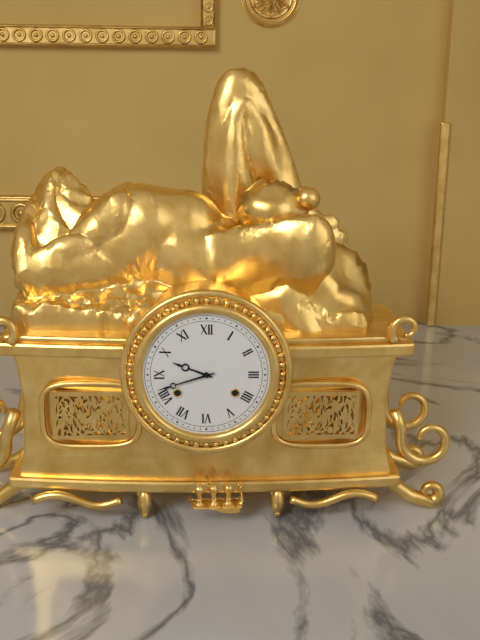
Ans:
9h42
